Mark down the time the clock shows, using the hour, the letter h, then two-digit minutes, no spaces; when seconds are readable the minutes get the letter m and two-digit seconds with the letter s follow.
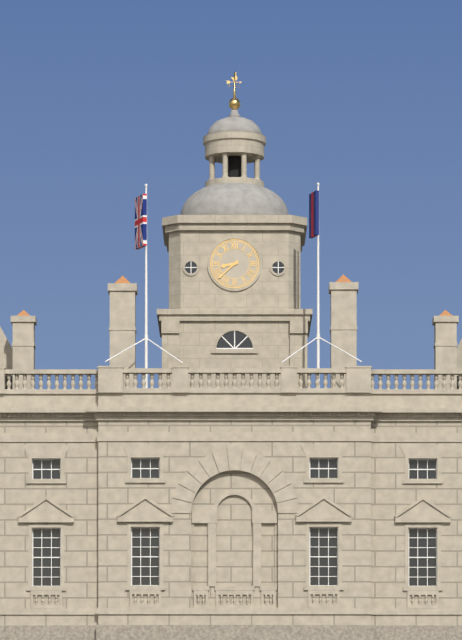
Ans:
8h38
